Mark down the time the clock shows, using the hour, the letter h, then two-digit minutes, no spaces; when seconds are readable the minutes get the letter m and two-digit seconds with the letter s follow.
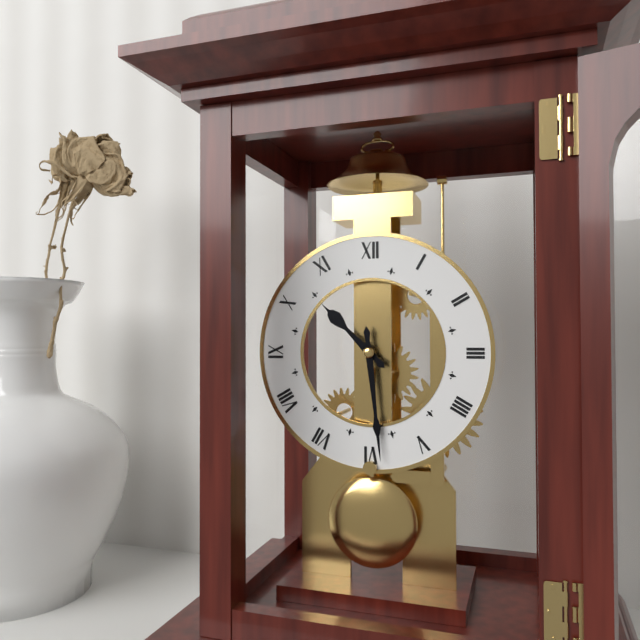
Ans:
10h29
